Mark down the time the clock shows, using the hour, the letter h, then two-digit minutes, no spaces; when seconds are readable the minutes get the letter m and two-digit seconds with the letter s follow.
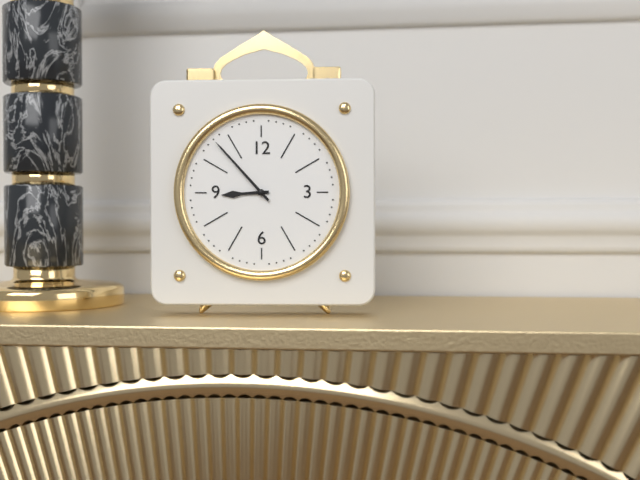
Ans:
8h53
